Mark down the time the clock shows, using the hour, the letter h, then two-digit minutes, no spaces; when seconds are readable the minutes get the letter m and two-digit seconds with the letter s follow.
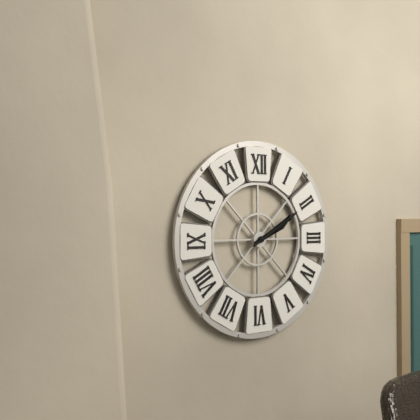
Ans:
2h10
